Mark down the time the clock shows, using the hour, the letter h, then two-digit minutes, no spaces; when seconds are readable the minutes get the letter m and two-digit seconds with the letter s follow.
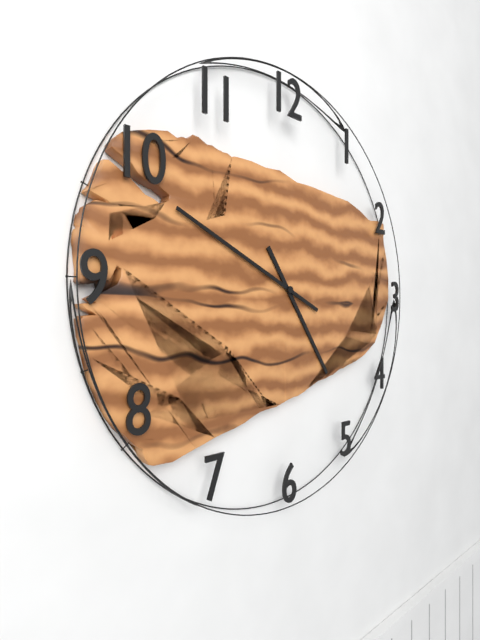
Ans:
4h49
